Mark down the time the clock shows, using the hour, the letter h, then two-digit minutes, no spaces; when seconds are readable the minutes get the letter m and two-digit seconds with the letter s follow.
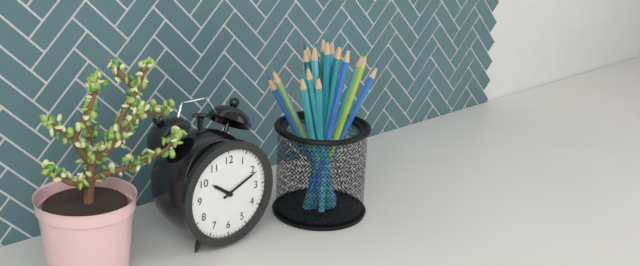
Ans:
10h11
